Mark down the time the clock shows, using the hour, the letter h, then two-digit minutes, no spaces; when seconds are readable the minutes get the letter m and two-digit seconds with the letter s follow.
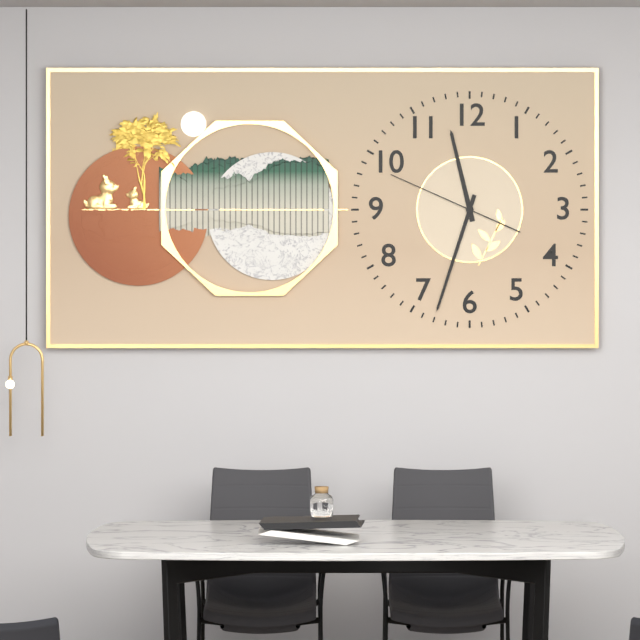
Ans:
11h33m49s
